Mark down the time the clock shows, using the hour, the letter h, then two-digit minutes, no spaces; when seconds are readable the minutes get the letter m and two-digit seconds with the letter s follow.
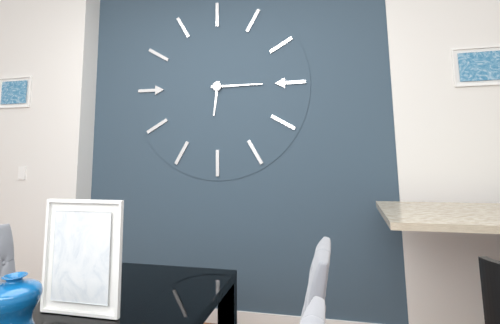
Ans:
6h15
